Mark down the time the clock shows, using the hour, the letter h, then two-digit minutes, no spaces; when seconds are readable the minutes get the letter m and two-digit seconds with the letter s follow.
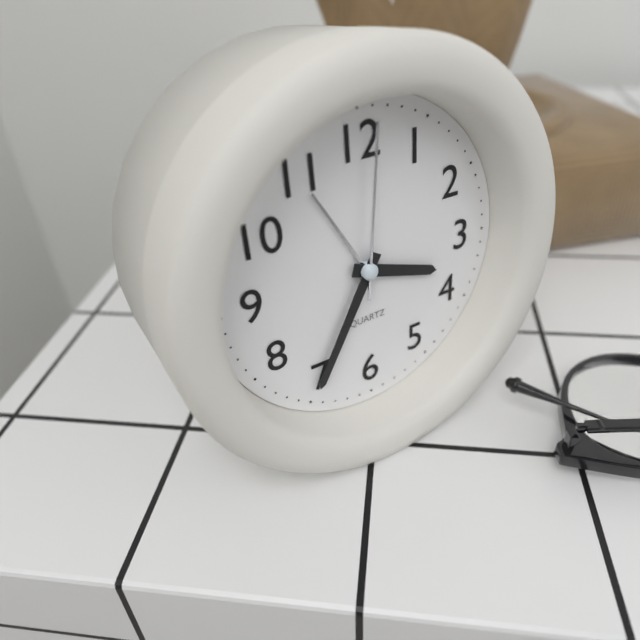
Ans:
3h35m01s
